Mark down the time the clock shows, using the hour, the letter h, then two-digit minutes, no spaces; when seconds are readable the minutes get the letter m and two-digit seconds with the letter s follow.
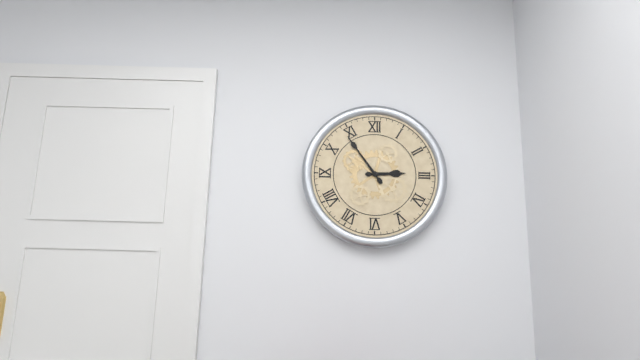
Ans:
2h54
